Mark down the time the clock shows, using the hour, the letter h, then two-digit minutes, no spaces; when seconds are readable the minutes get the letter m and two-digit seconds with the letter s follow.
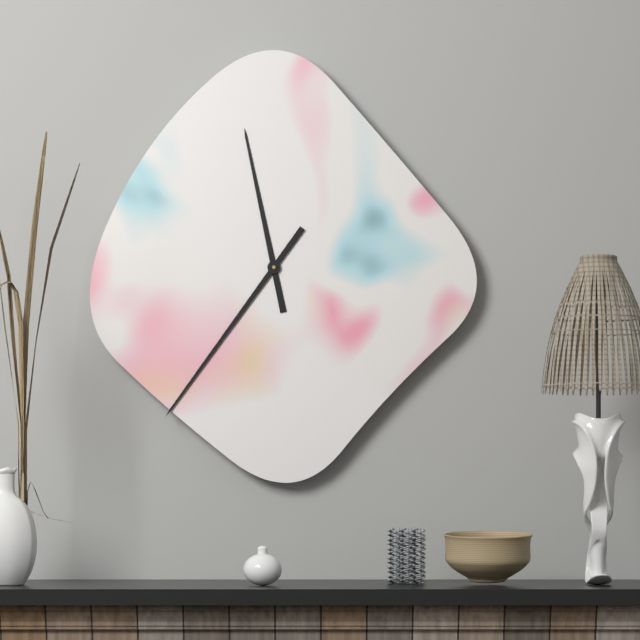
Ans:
11h36
